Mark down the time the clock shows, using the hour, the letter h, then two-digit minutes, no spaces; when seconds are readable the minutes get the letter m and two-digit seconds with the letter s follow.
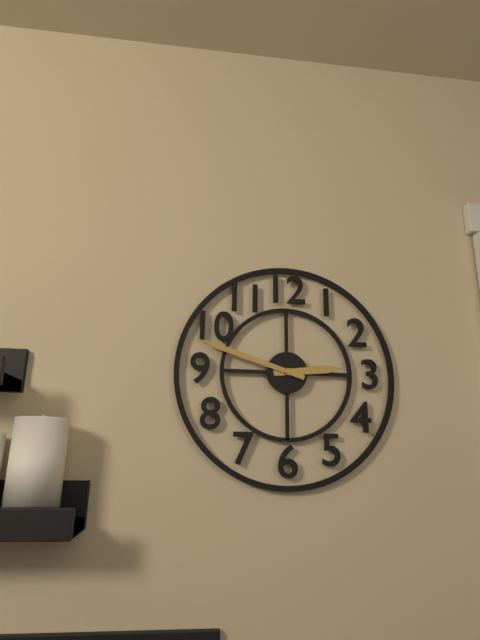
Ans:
2h48
